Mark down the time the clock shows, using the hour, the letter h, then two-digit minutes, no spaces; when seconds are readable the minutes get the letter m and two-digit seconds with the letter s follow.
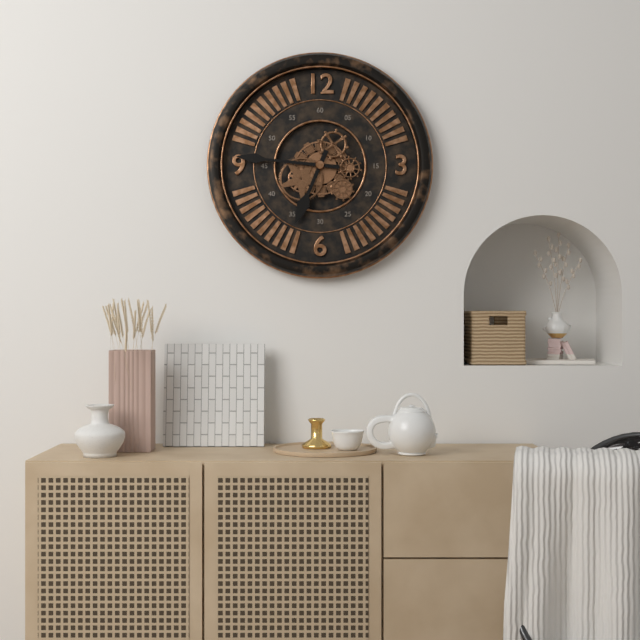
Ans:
6h46
